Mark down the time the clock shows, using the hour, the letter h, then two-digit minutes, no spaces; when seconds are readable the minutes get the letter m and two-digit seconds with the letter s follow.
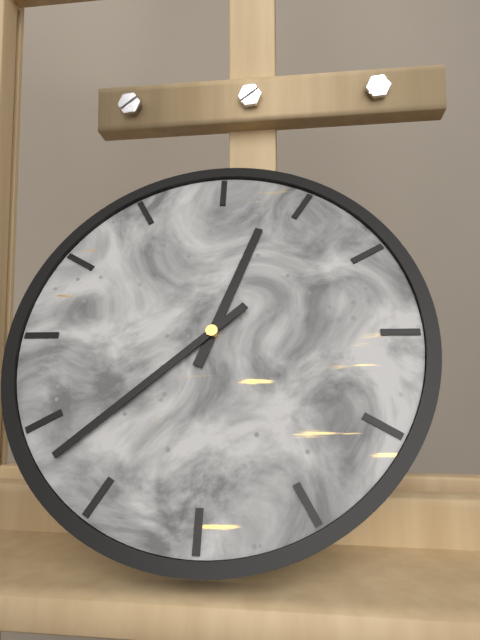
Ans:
12h38
